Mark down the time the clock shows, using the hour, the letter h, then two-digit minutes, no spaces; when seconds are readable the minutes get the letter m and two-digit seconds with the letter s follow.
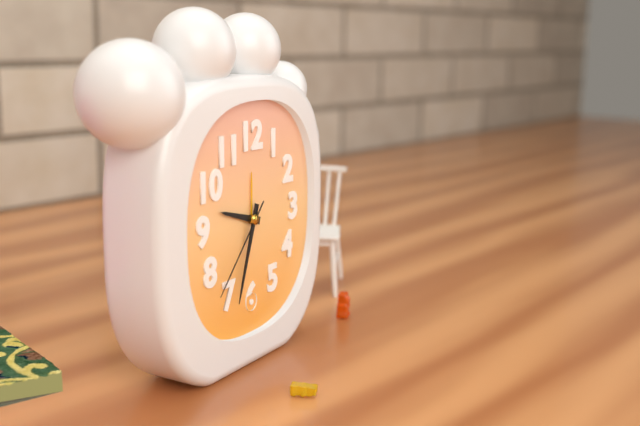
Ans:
9h33m37s
